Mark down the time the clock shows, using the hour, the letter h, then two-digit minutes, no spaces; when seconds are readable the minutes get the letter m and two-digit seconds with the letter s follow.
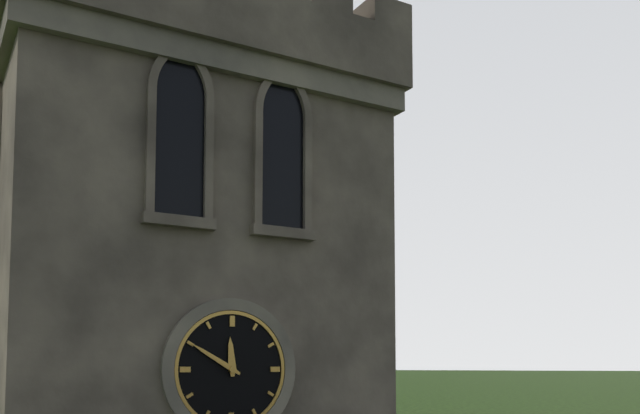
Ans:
11h50
